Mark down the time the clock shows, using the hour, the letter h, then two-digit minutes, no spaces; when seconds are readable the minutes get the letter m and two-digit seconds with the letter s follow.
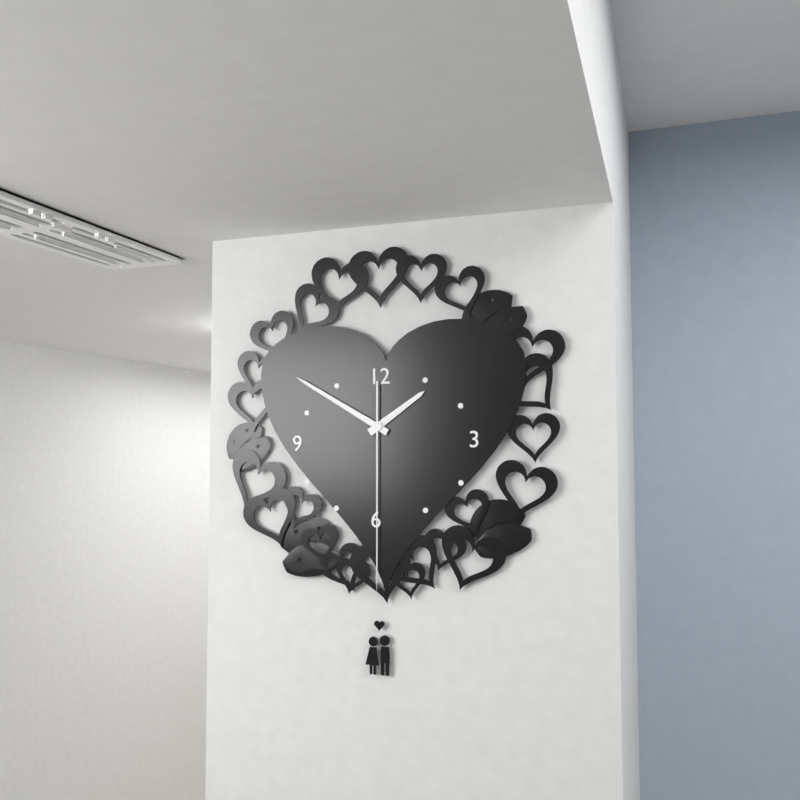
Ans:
1h50m30s
